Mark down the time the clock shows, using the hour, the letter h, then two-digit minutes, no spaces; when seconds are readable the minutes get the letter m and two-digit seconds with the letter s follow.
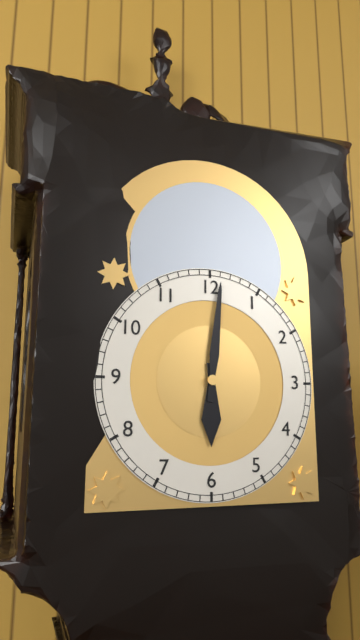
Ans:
6h01
